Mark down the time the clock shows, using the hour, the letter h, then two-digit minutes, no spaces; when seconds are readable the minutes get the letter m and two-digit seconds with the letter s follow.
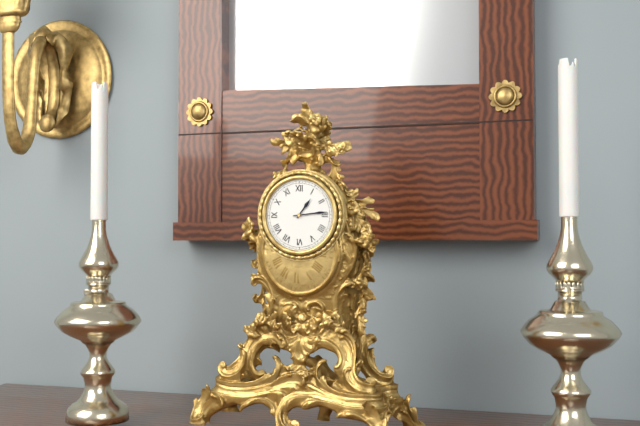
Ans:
1h14
